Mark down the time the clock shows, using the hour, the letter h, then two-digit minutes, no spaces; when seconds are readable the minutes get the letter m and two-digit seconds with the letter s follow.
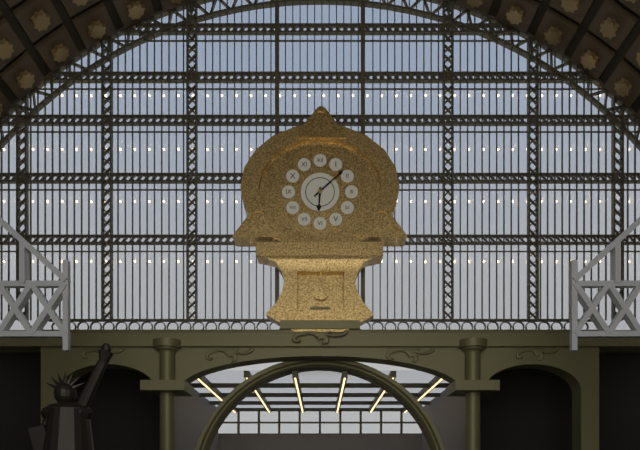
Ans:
6h08
